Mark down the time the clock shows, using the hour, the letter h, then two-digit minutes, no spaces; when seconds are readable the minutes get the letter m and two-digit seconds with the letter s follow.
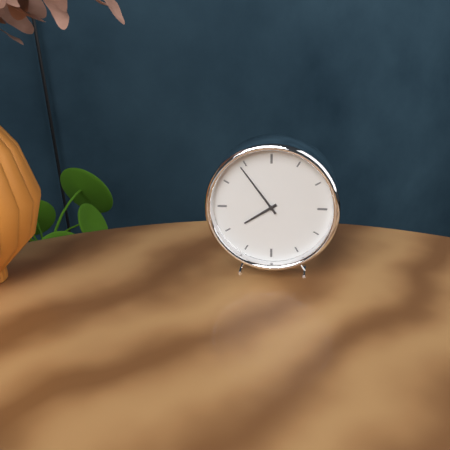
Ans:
7h54
